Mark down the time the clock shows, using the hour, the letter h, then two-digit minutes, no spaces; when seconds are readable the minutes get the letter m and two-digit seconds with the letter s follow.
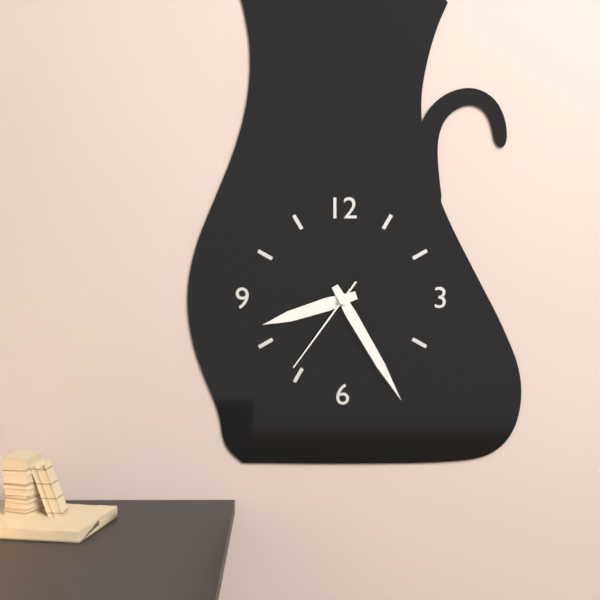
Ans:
8h25m36s
